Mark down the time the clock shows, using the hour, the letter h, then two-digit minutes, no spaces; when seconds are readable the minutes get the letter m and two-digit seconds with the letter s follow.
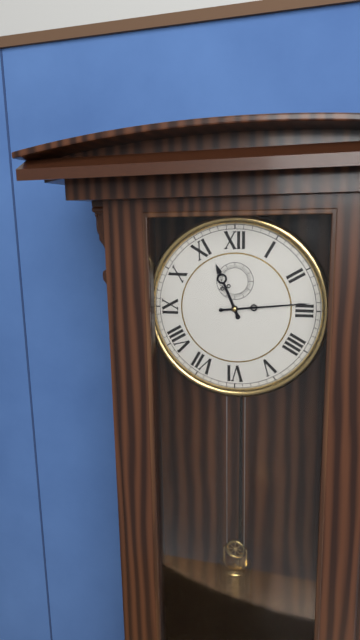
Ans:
11h14
